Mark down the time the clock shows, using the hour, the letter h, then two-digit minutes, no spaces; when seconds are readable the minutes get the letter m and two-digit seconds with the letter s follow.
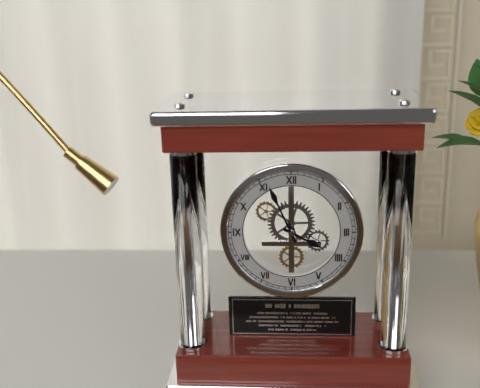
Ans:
3h56
